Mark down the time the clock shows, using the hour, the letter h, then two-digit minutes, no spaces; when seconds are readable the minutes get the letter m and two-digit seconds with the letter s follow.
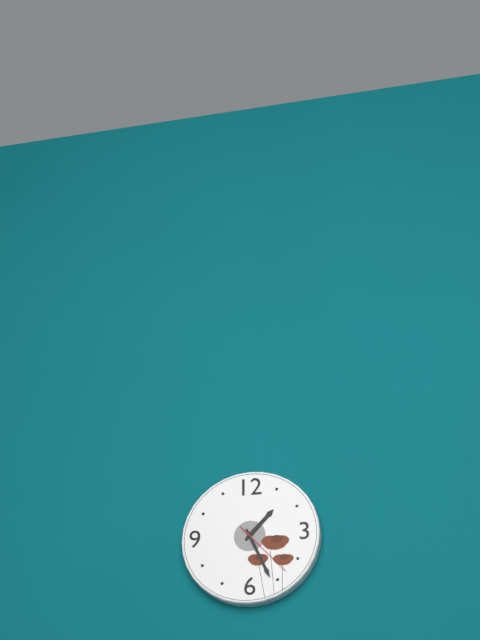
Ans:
1h26m23s
